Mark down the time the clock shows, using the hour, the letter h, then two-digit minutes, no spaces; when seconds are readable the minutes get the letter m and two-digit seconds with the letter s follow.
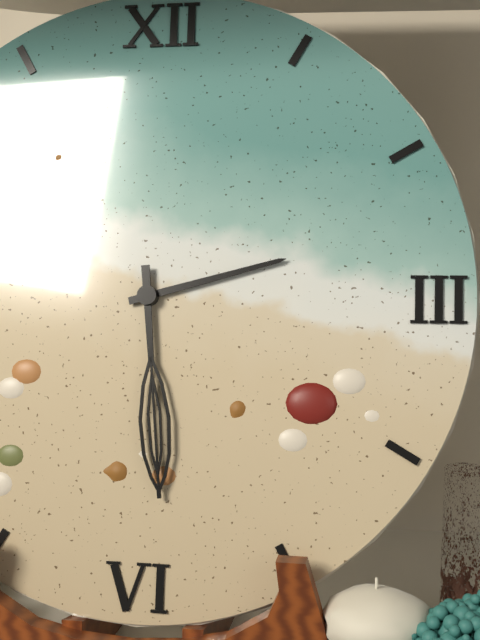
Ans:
2h29
